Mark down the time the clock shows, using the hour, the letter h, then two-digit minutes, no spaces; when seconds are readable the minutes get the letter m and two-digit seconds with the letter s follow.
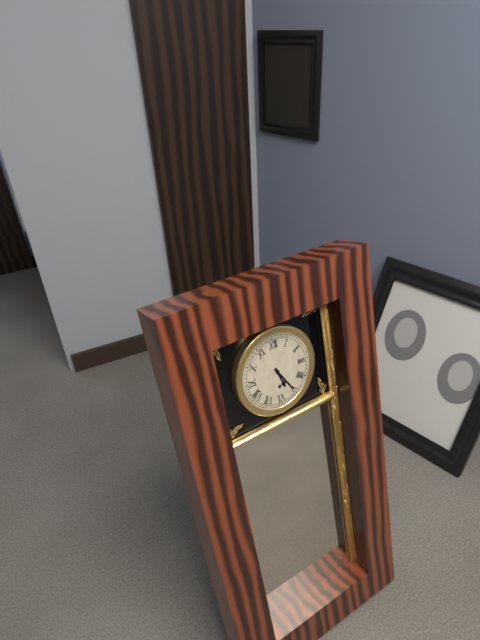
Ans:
5h25
